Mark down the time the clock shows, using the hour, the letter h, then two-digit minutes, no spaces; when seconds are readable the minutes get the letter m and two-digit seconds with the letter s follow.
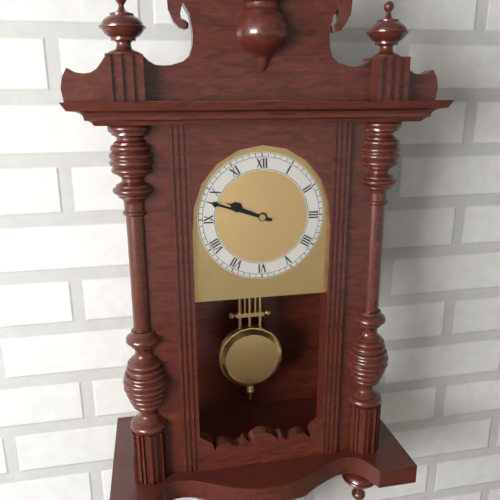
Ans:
9h48
